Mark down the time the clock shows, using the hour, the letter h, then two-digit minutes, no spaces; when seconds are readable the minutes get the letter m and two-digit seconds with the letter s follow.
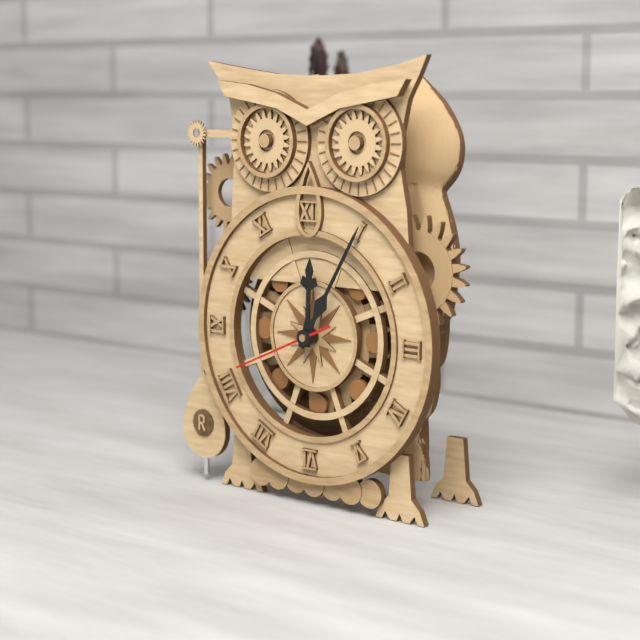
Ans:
12h05m41s
